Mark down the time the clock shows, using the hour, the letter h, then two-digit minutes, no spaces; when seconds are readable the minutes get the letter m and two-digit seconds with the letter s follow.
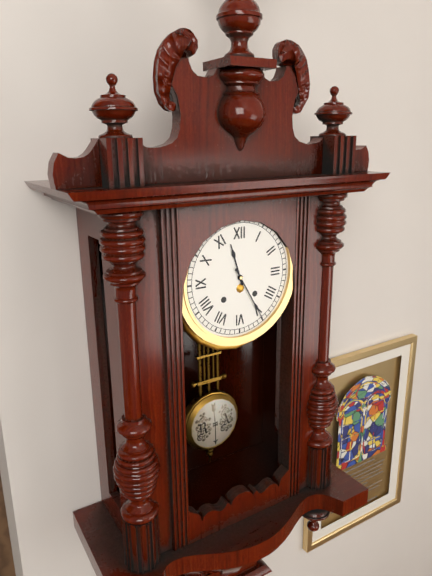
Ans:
11h25
